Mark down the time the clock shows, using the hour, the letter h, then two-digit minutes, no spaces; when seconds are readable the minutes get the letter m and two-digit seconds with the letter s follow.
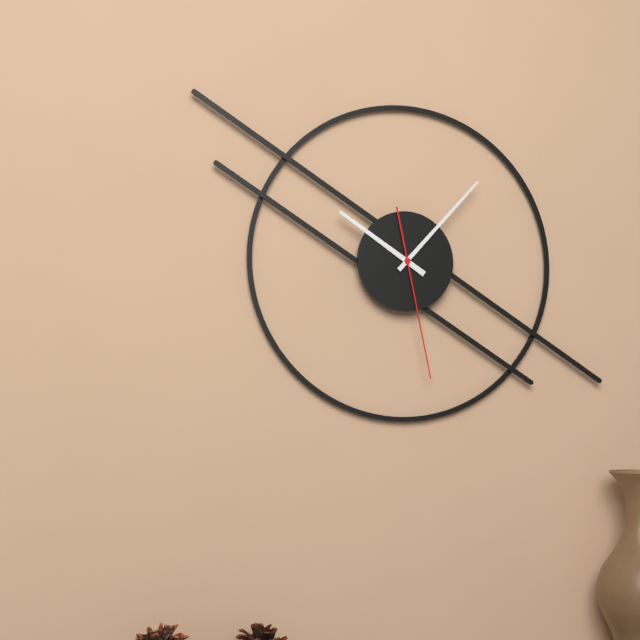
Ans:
10h07m28s
